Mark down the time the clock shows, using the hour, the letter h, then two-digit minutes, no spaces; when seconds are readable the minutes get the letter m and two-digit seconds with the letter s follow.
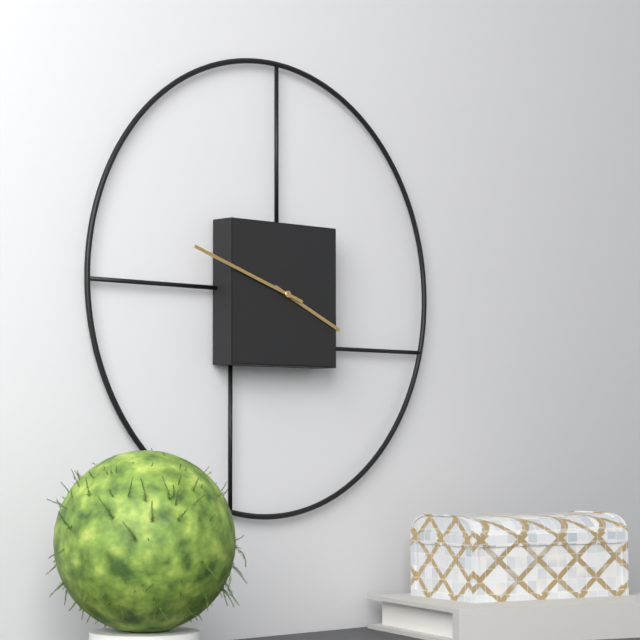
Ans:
3h48
